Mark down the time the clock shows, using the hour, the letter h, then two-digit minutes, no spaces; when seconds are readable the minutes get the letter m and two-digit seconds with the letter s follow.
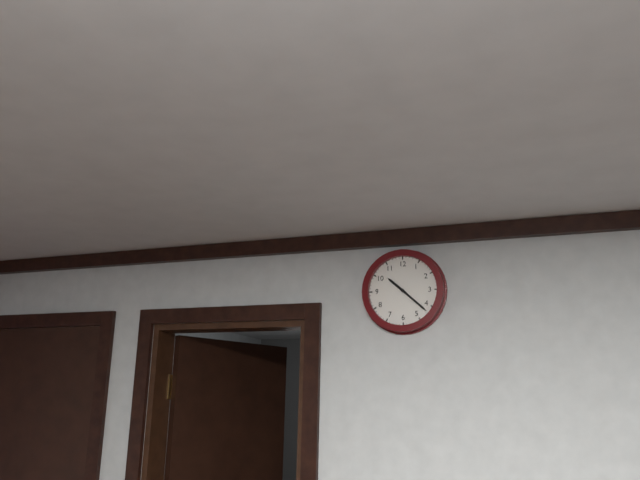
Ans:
10h22
